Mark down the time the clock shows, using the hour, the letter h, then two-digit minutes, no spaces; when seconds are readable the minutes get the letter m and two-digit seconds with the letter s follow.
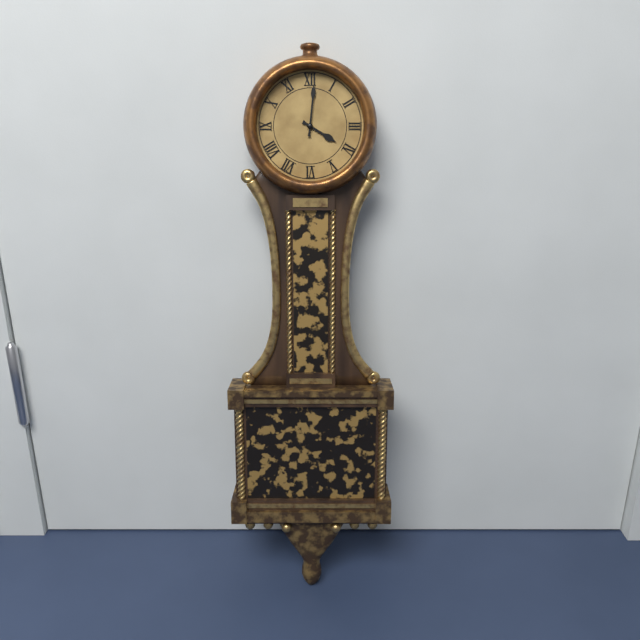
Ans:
4h01
